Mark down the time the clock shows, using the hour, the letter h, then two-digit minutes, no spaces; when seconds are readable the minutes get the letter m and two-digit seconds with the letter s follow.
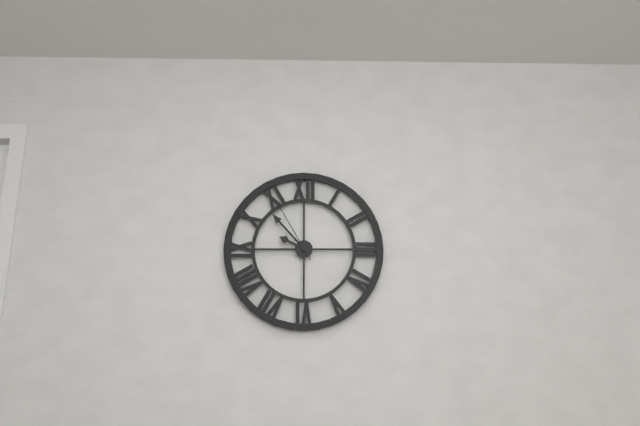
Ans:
9h53m55s
